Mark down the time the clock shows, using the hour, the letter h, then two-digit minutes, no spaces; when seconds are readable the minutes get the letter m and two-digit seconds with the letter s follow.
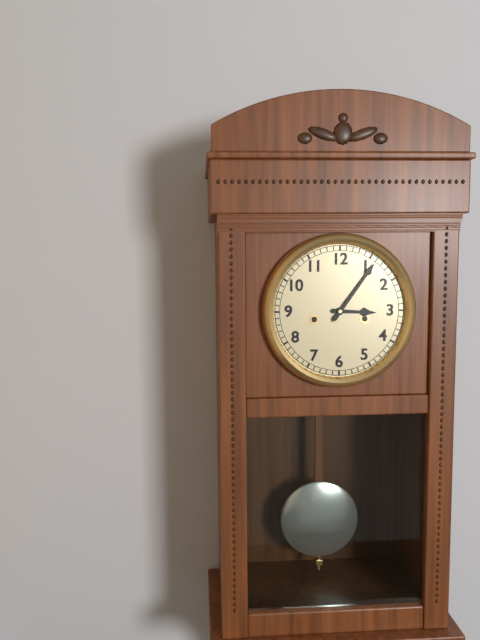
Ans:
3h06
